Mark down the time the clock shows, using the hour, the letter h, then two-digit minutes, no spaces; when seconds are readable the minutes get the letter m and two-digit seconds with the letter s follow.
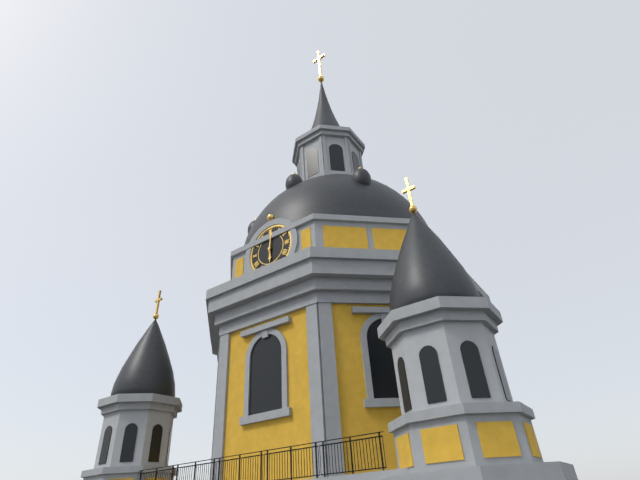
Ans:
6h01
